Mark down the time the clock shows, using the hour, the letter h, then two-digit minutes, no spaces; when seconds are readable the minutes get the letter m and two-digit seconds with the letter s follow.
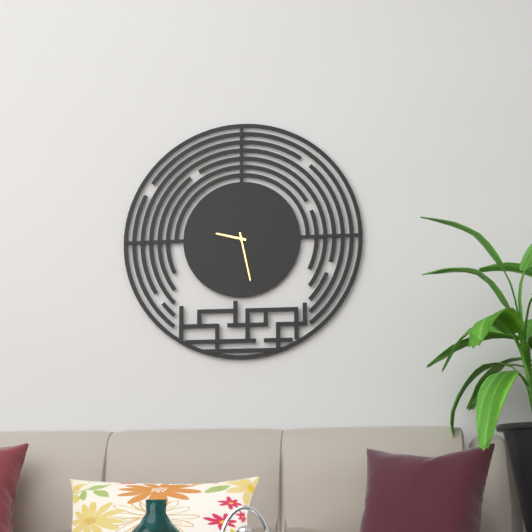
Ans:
9h28
